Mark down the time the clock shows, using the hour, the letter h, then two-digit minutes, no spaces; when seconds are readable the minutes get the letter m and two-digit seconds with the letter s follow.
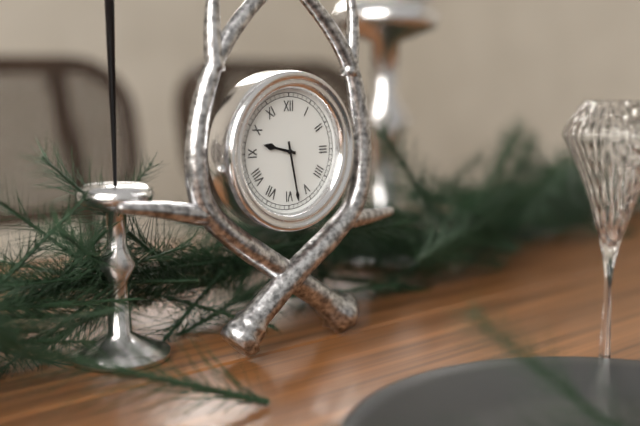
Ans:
9h28
